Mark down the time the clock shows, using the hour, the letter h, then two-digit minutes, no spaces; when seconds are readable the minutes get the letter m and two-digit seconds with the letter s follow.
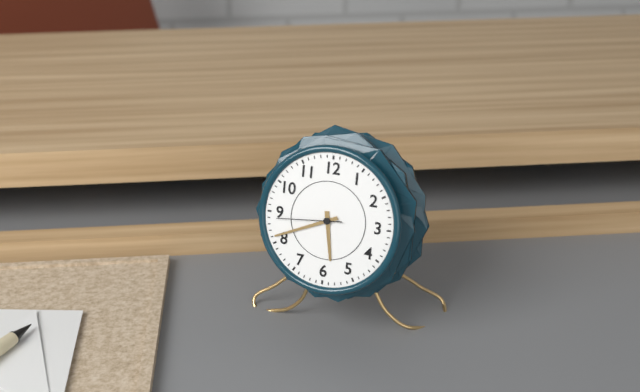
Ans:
5h41m44s
